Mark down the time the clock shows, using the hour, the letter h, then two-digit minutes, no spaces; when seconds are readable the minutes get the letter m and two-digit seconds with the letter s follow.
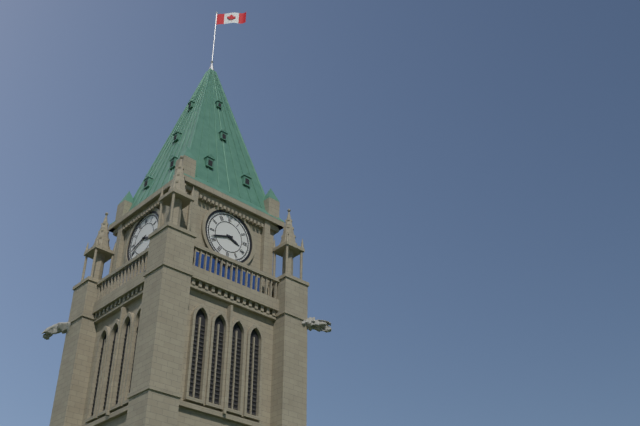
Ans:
3h42
